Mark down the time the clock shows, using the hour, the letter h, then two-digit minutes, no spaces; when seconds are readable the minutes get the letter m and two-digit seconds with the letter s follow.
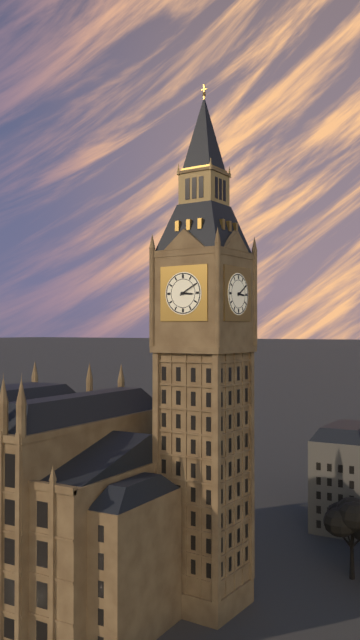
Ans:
3h10
